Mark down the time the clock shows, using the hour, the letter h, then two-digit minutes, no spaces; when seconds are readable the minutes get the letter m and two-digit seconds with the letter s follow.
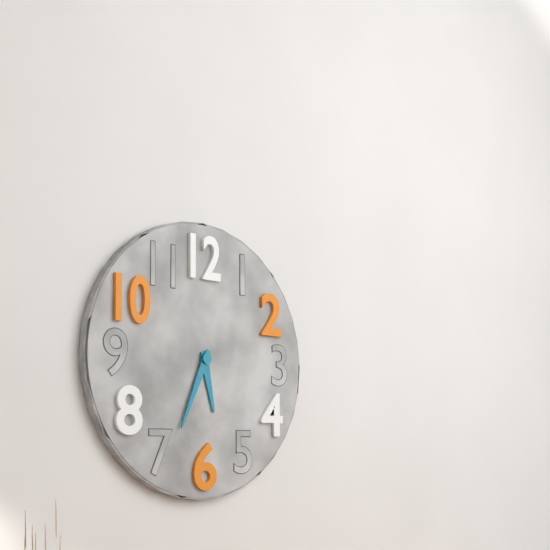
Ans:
5h34
